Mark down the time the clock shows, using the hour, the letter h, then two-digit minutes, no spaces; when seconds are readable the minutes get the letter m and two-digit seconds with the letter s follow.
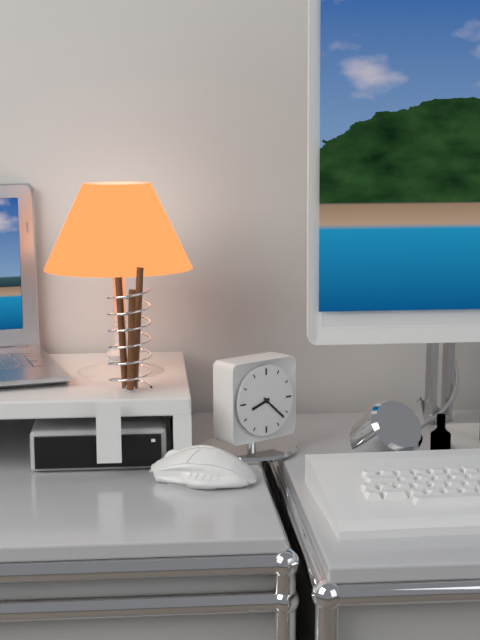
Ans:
8h22
